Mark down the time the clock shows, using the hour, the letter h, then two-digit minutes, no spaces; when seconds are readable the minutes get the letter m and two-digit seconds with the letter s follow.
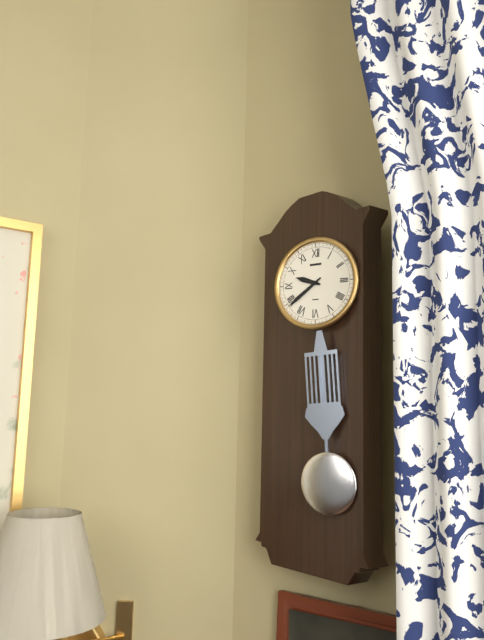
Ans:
9h39
